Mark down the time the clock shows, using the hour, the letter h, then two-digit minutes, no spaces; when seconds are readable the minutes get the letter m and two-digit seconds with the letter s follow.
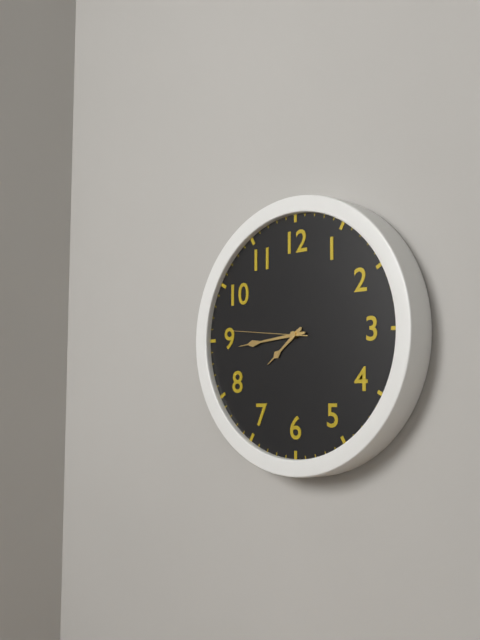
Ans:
7h44m46s
